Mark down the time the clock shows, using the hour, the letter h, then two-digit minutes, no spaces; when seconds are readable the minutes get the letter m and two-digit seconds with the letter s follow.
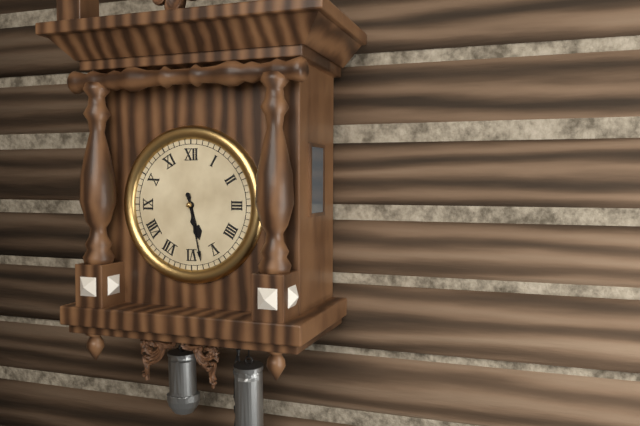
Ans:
5h28
